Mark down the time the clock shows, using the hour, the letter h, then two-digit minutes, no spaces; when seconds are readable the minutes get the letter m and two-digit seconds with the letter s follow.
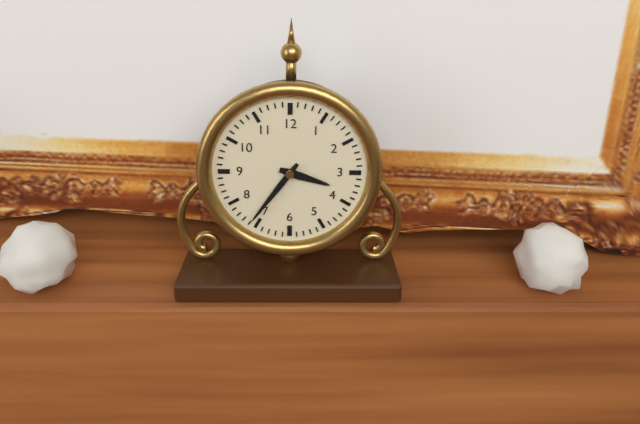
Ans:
3h36
